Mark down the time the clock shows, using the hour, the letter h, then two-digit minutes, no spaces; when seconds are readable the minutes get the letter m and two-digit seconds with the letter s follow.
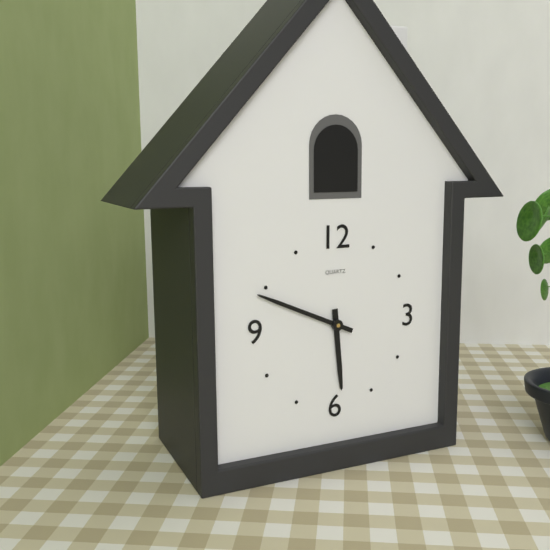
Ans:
5h49
